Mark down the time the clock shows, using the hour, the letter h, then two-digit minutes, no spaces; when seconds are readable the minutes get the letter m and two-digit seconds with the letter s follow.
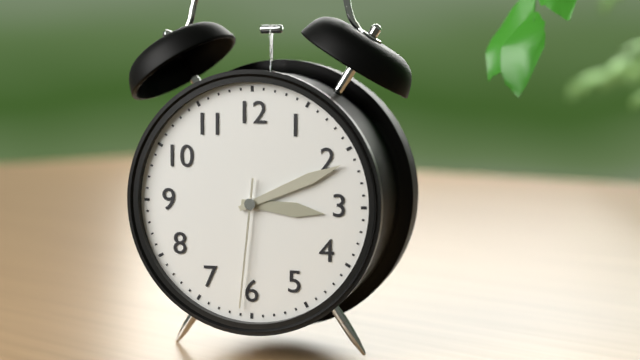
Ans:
3h11m31s
